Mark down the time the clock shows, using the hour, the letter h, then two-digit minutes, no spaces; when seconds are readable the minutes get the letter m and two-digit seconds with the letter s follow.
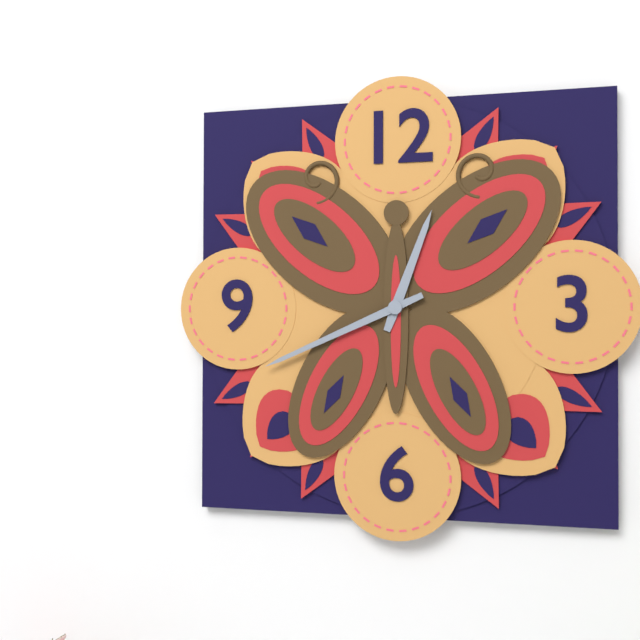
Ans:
12h41
